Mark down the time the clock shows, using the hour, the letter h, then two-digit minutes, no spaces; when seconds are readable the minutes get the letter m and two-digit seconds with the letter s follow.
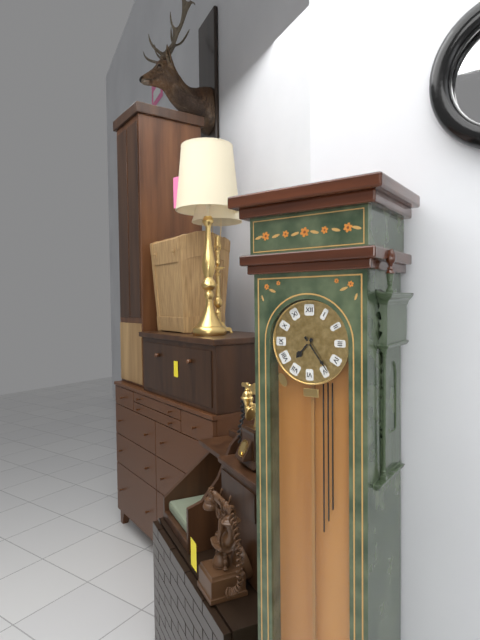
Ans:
7h24
